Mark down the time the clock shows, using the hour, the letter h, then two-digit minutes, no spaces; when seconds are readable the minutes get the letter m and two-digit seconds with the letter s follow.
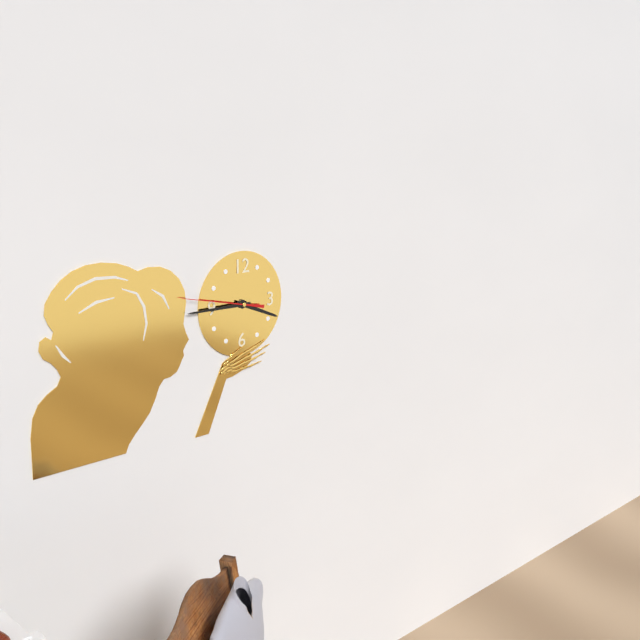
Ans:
3h45m47s
